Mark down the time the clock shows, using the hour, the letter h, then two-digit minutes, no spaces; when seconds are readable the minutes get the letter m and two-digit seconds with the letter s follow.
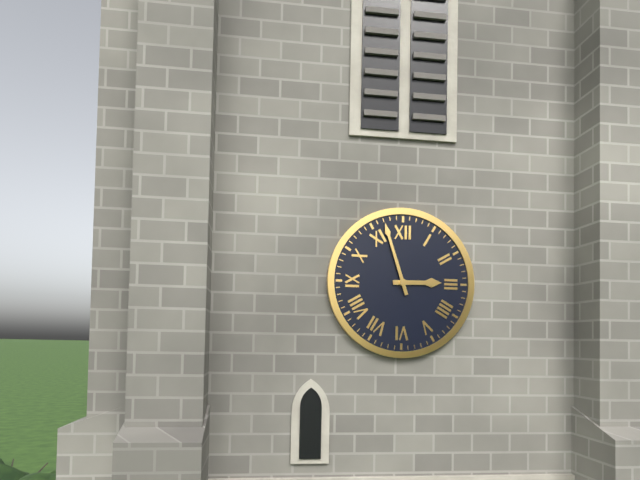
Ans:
2h57
